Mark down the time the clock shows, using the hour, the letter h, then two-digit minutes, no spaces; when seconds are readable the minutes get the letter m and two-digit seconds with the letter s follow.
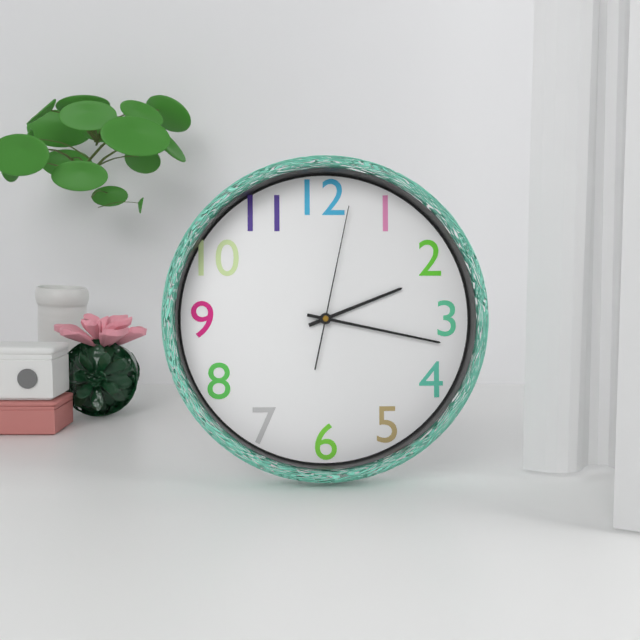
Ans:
2h17m02s
